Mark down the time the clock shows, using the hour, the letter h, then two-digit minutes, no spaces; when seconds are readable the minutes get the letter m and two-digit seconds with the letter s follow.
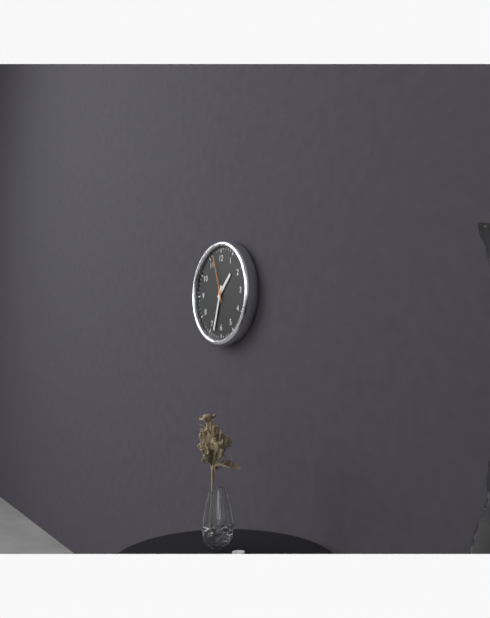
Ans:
1h33
